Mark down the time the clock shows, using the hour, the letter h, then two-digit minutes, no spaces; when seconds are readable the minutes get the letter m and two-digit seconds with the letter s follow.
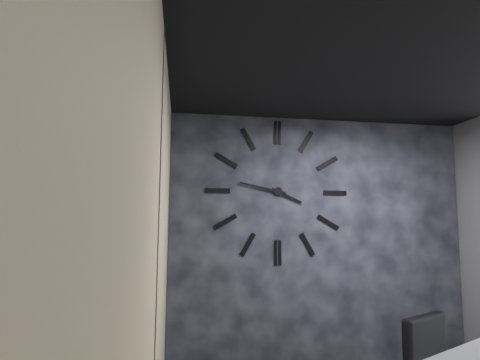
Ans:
3h47
